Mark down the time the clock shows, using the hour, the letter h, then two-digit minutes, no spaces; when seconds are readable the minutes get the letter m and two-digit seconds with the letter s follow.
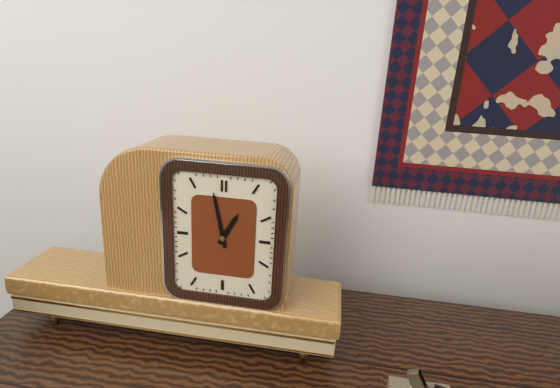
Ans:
12h58
